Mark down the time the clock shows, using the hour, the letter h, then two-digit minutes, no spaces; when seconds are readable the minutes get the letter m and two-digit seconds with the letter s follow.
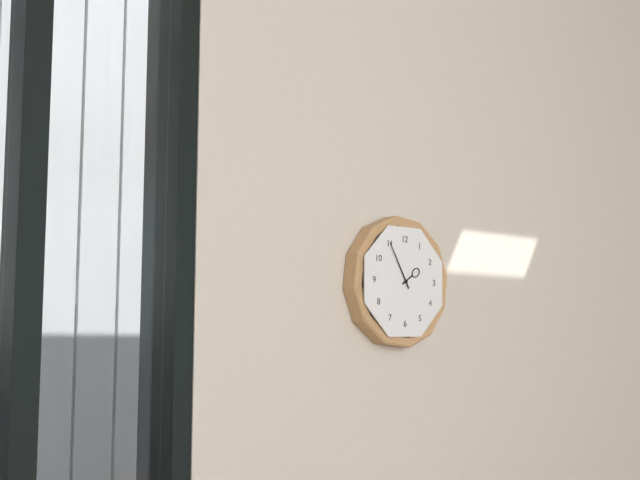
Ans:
1h55
